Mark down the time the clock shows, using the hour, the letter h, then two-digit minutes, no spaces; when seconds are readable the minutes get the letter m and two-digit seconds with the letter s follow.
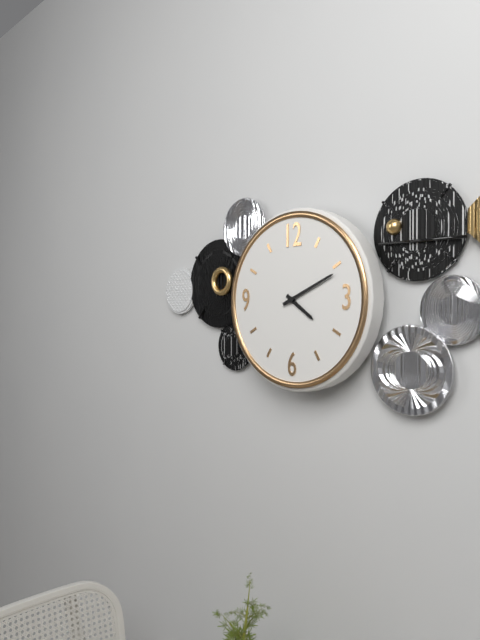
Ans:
4h11
